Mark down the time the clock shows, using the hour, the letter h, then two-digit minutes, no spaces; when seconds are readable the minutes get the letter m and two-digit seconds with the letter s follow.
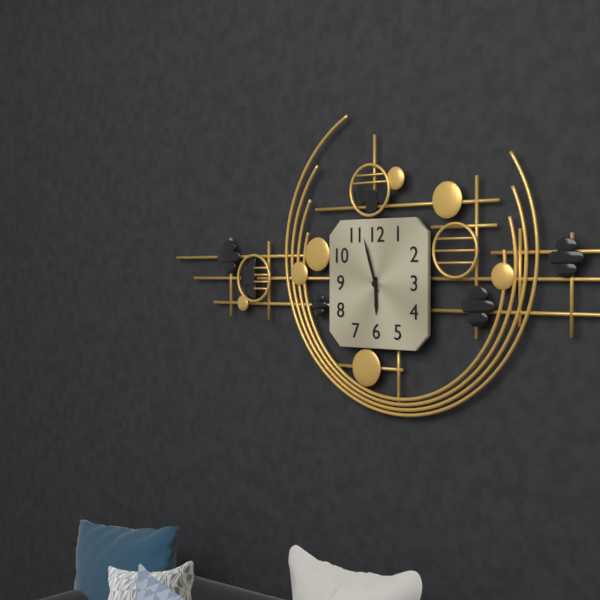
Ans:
5h57
